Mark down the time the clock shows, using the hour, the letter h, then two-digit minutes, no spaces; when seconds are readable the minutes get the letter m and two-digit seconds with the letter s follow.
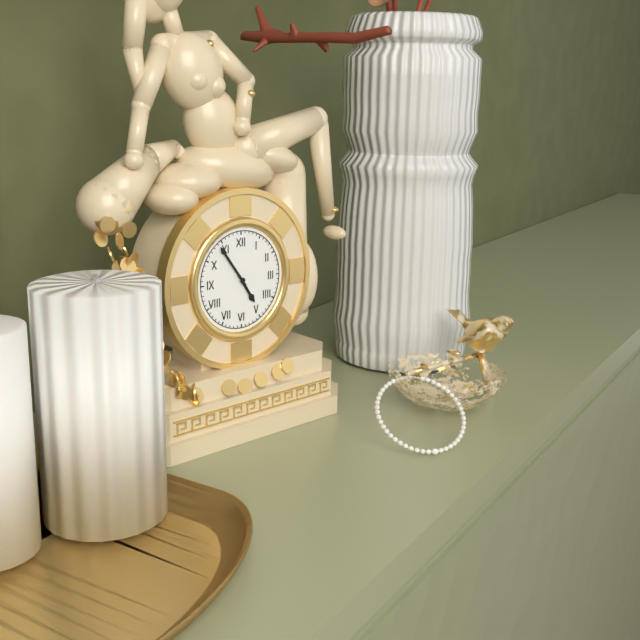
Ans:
4h54
